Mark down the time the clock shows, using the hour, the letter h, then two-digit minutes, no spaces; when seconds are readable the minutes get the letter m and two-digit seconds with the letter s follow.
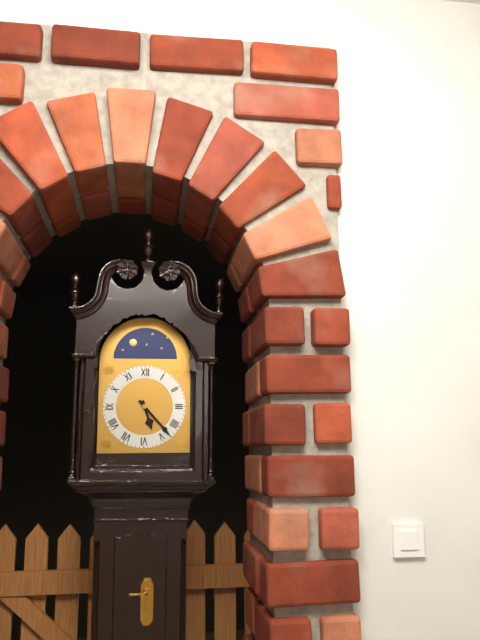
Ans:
5h23
